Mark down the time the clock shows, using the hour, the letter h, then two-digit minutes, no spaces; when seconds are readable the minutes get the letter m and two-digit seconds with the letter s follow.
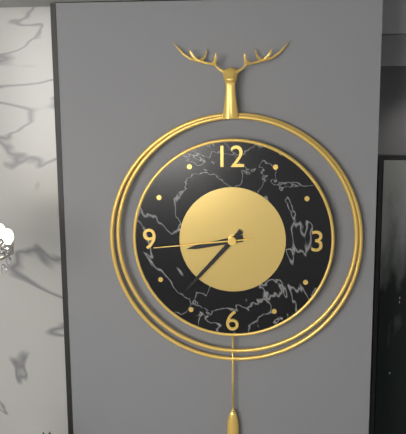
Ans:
8h37m44s
